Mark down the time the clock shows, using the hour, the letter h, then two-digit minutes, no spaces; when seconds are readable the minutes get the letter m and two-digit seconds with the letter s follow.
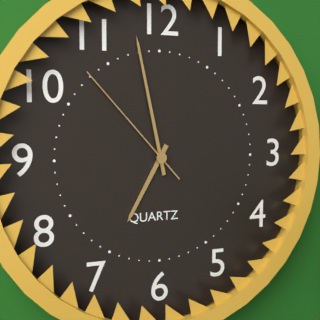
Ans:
6h58m53s
